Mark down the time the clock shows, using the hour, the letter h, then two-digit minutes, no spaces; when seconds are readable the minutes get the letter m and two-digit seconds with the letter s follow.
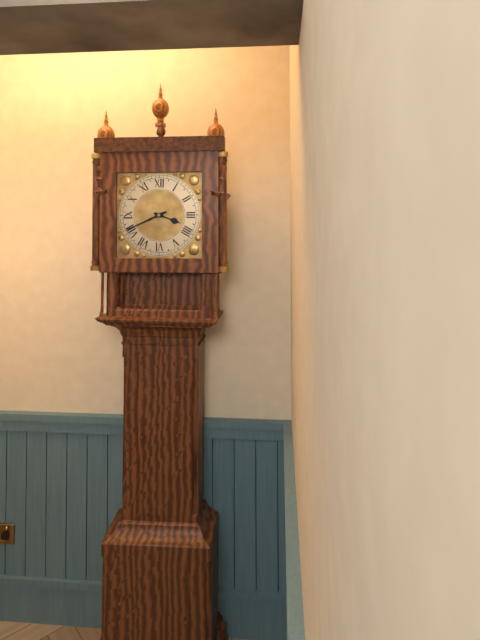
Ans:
3h41
